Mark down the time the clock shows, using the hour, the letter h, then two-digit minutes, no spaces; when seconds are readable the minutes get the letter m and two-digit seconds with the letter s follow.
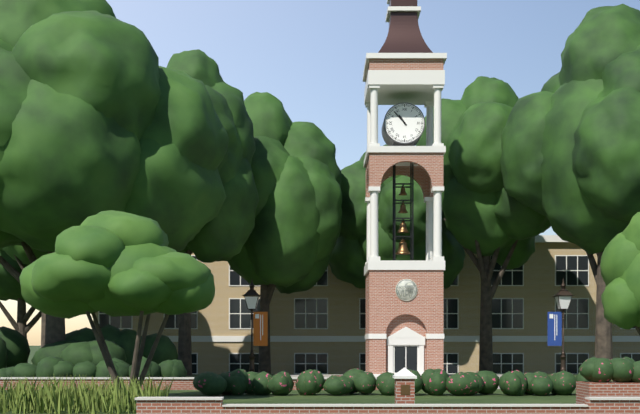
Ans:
10h53
